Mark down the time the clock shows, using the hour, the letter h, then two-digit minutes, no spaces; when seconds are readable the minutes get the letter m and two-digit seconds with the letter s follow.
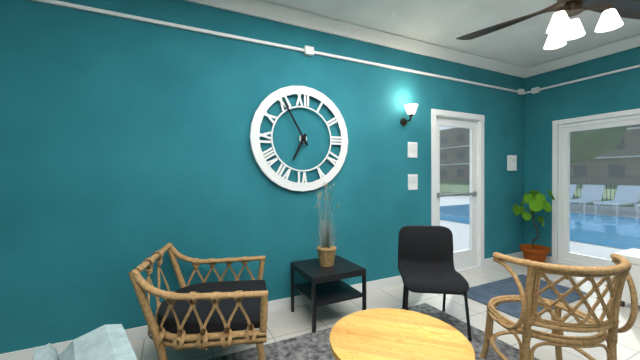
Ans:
6h55
